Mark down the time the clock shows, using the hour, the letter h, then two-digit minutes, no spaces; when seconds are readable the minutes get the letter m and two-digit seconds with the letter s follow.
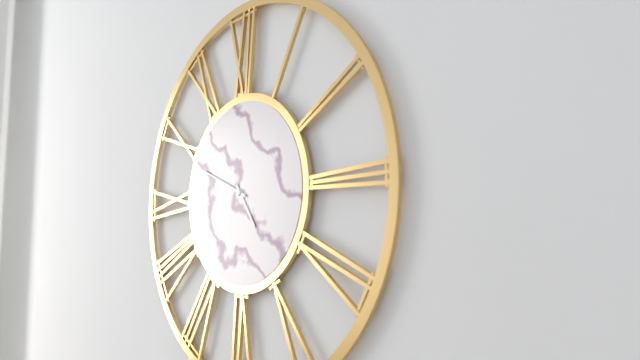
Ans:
4h49
